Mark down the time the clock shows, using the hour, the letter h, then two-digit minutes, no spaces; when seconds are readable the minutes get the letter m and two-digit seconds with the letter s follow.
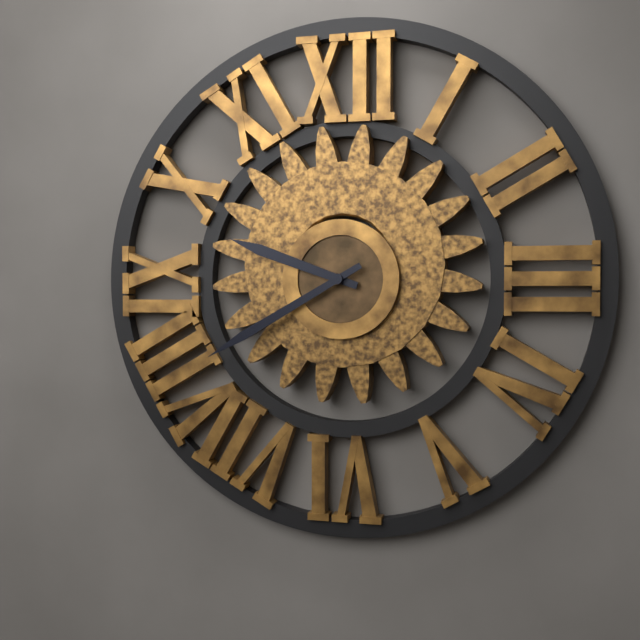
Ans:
9h40
